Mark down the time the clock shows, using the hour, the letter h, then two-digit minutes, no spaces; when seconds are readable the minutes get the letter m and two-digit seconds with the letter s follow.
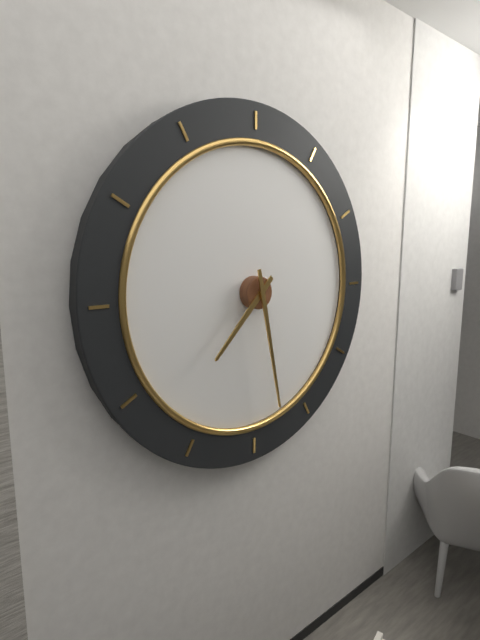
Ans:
7h28
